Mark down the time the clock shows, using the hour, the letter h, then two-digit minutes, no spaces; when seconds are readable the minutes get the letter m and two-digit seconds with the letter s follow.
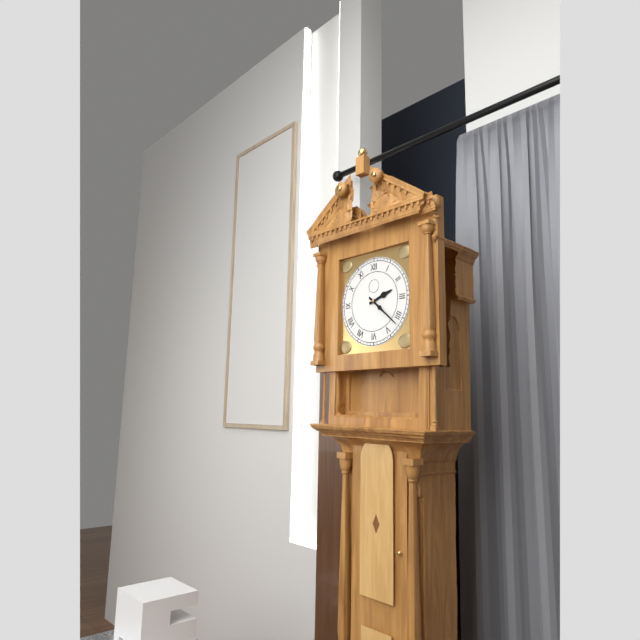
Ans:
2h22
